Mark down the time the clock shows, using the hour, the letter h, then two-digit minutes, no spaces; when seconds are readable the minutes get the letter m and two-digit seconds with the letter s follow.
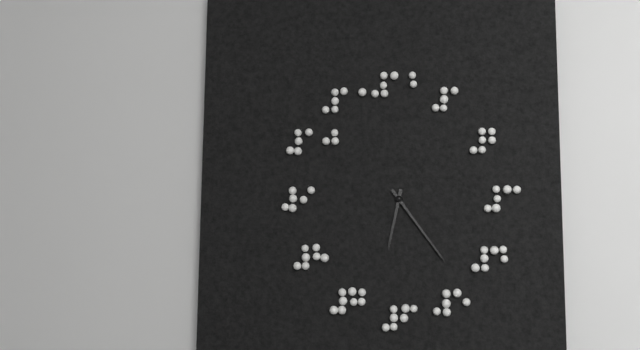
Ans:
6h24
